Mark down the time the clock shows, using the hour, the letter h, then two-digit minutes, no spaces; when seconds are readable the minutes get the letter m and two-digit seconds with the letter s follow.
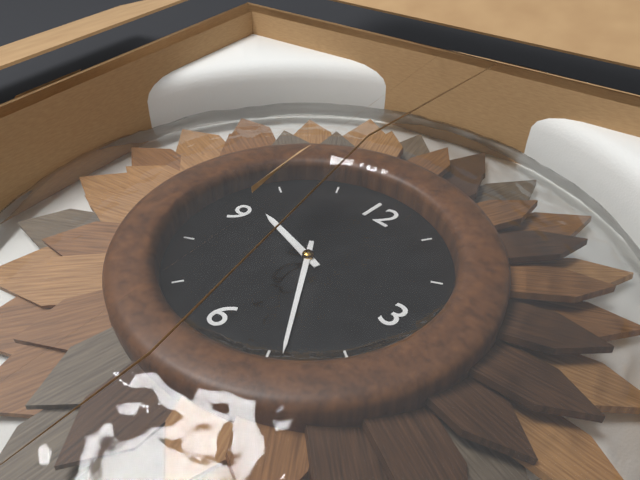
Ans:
9h24
